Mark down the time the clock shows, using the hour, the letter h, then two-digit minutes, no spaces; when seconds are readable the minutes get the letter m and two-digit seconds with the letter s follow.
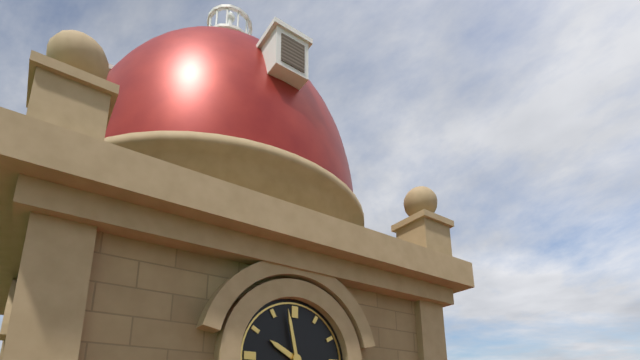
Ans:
9h58
